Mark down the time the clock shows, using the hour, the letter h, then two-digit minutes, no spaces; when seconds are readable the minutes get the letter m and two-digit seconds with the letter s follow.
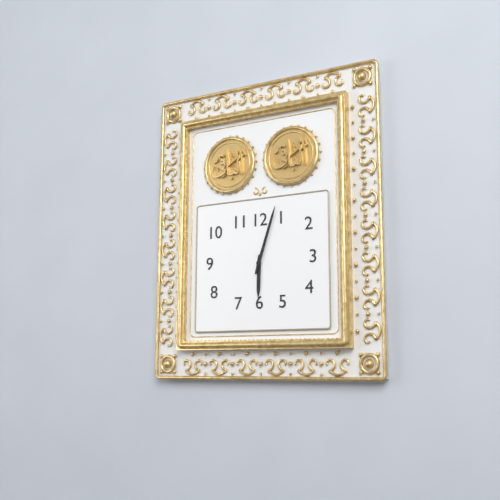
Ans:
6h03
